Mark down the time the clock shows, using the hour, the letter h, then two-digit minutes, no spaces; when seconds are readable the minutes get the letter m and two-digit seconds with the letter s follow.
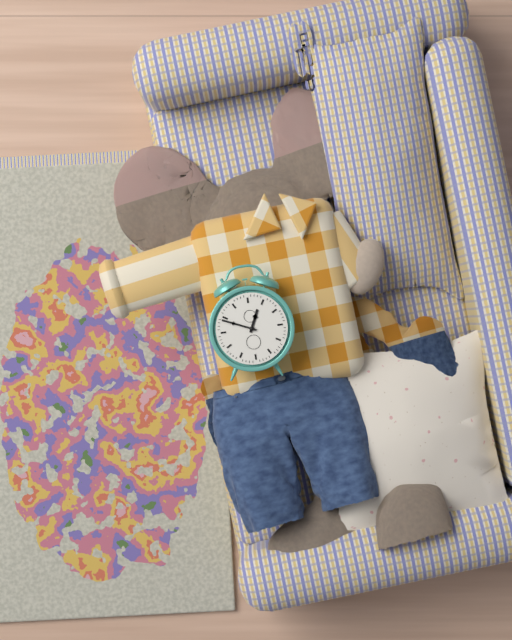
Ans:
12h49
